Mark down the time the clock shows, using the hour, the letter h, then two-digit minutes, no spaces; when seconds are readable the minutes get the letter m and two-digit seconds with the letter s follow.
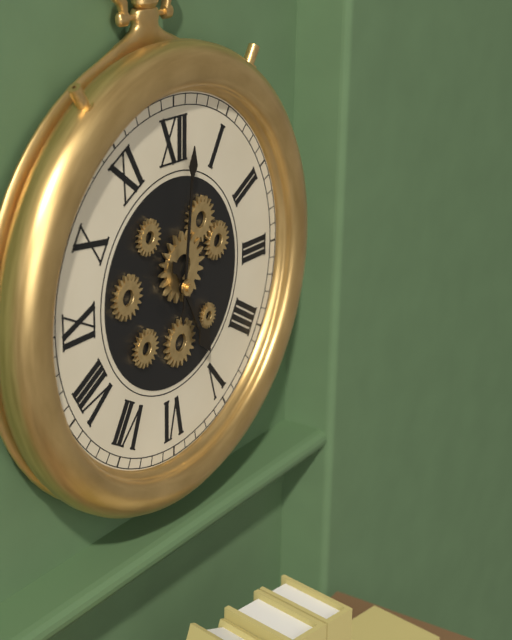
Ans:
5h01
